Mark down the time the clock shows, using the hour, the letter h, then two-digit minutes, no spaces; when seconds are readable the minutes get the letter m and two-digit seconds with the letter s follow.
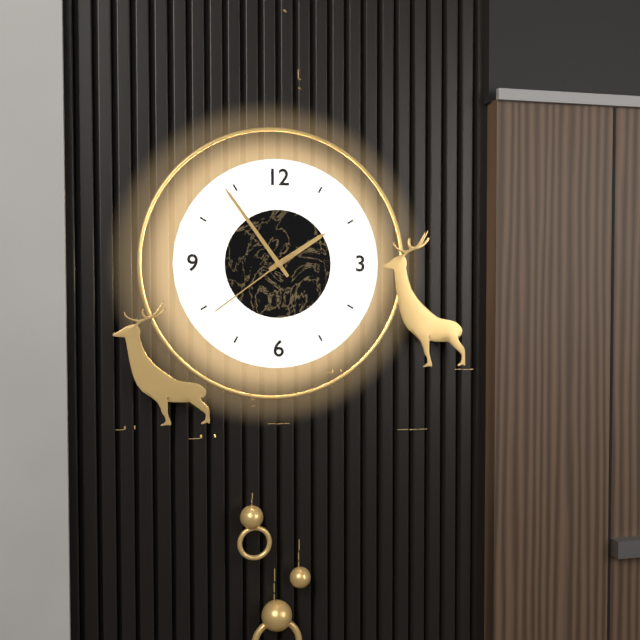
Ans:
1h54m39s
